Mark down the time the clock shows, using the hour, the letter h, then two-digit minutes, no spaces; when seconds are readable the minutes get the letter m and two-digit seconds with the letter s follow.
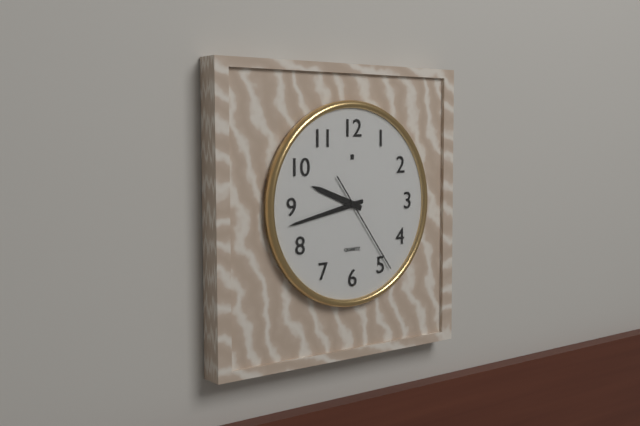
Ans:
9h43m24s
